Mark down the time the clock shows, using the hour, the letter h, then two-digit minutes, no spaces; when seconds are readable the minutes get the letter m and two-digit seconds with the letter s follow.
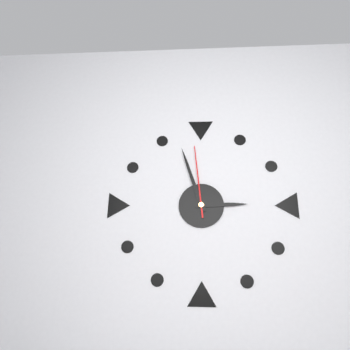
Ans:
2h57m59s
